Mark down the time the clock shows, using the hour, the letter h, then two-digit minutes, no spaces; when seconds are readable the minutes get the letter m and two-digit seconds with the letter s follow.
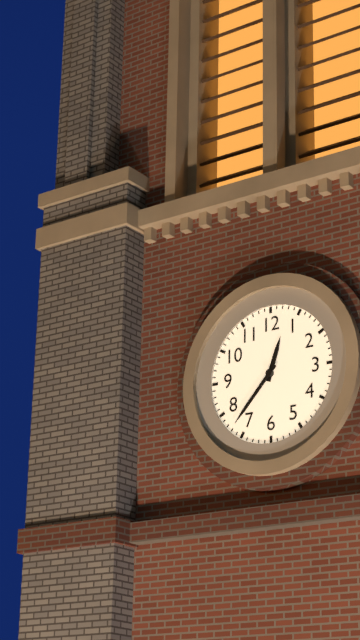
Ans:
12h37
